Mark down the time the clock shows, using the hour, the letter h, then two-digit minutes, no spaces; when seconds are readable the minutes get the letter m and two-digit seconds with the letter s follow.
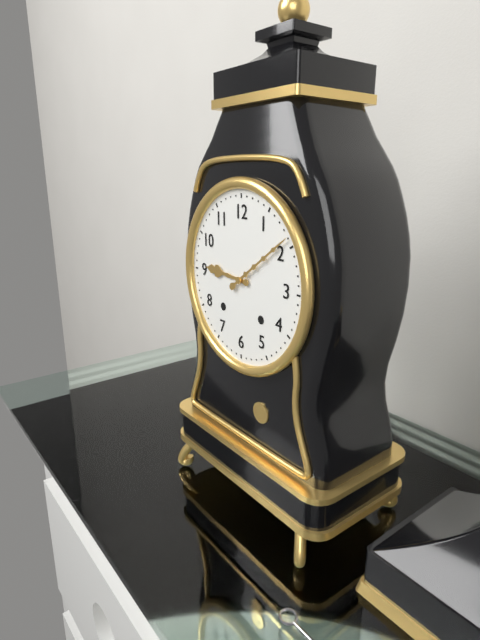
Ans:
9h09
